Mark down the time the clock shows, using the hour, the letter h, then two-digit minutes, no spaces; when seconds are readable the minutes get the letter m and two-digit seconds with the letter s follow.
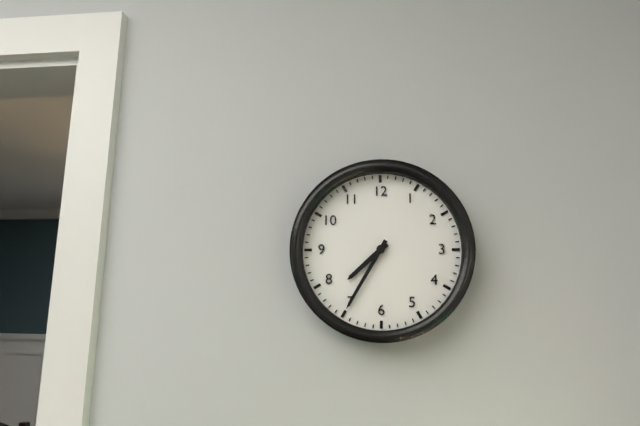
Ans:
7h35
